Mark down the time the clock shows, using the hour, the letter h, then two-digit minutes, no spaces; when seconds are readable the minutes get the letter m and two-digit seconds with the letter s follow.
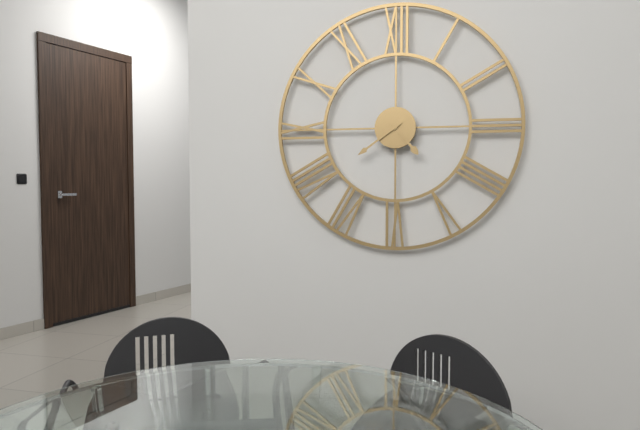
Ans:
4h39
